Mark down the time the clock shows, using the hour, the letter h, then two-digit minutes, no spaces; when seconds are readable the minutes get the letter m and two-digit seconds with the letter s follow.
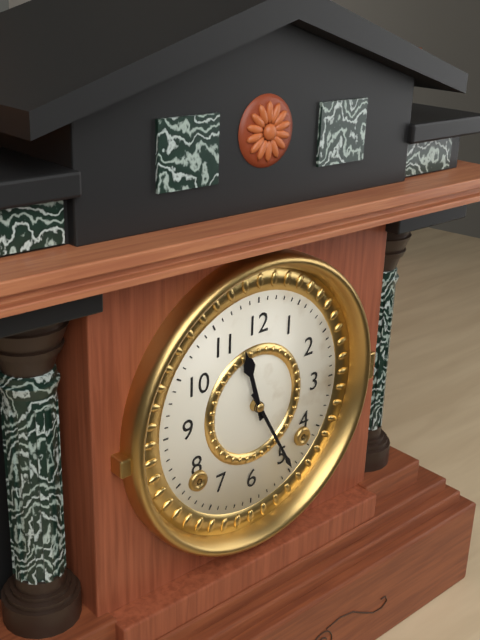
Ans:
11h25
